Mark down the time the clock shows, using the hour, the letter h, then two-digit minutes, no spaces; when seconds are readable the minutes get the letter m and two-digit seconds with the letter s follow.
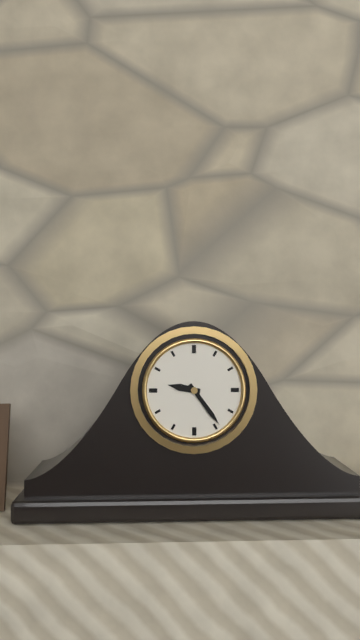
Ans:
9h24
